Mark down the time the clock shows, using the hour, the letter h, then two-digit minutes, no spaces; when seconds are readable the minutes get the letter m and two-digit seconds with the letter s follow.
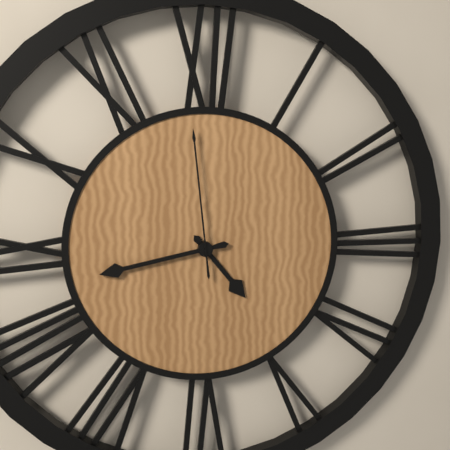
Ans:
4h43m59s
